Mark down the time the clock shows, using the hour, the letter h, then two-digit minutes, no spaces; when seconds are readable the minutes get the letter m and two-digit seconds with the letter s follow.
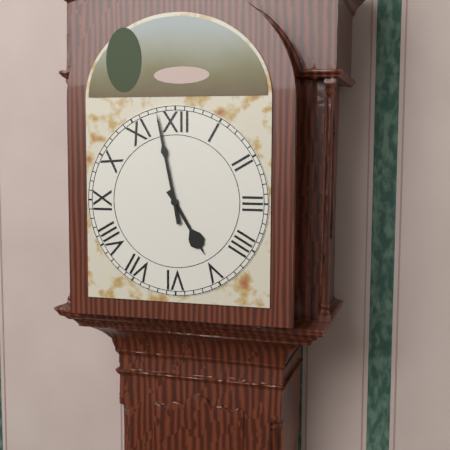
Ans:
4h58
